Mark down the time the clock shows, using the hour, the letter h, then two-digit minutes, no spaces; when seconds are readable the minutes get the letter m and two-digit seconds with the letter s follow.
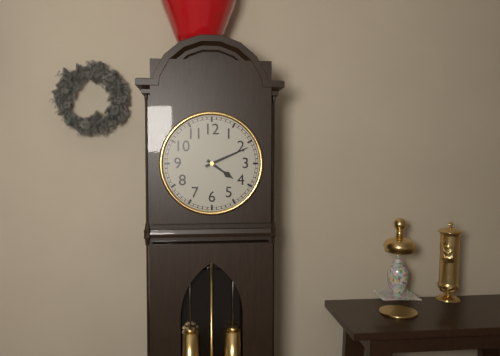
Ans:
4h11
